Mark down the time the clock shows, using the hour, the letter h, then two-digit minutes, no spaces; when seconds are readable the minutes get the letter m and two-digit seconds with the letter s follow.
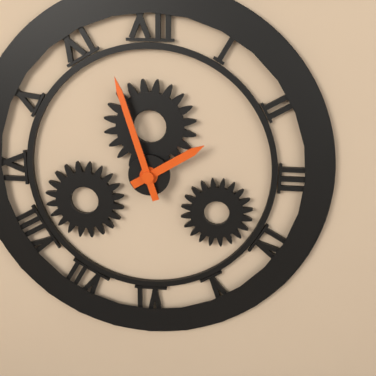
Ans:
1h57
